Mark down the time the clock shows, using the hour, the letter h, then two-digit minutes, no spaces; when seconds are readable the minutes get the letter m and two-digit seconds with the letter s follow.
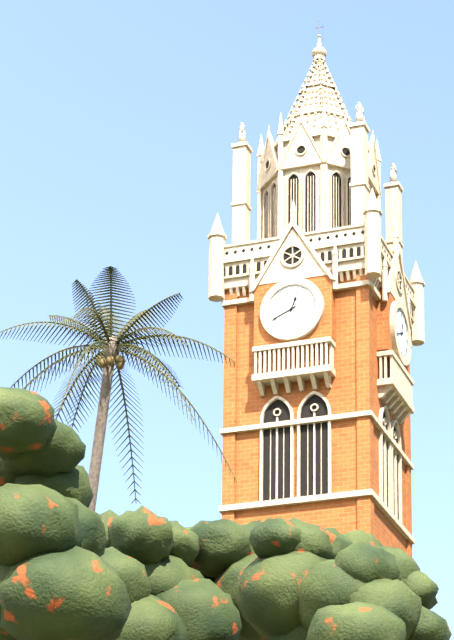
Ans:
12h41
